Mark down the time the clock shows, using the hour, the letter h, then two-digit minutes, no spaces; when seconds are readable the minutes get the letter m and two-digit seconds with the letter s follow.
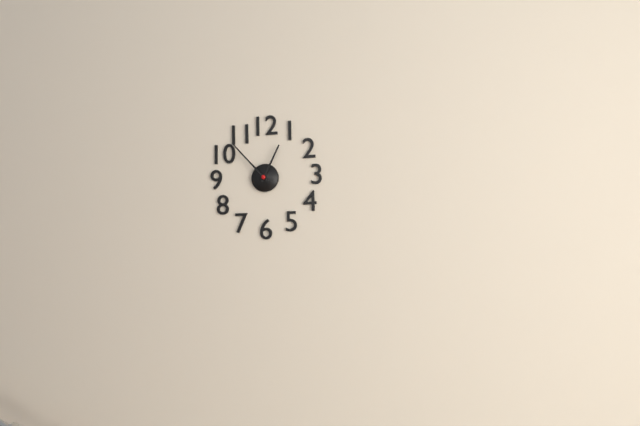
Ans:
12h53
